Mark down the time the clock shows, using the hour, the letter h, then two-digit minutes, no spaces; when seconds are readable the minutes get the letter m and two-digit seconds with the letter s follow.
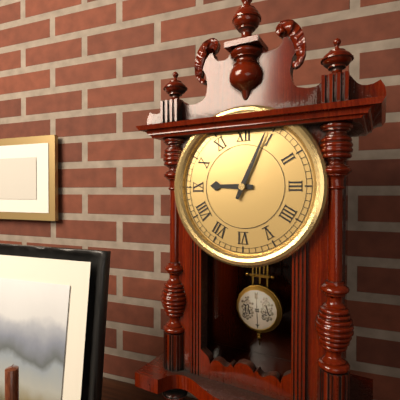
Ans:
9h04
